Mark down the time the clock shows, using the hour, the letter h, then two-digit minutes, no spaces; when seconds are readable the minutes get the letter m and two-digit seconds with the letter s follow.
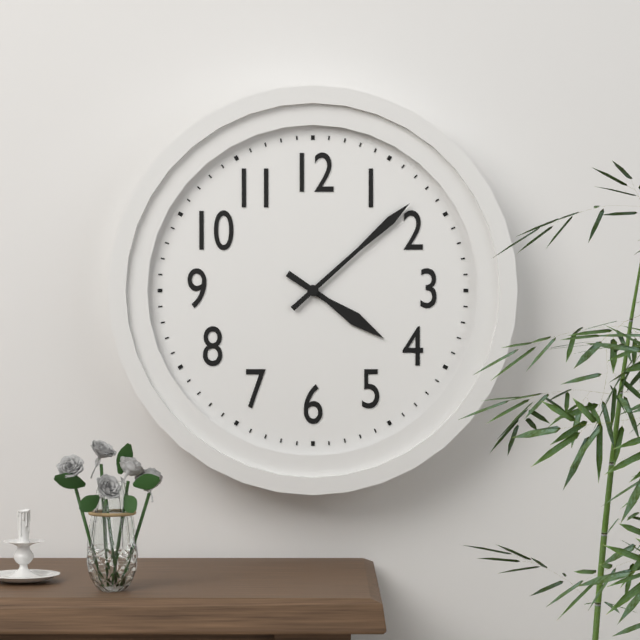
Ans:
4h08
